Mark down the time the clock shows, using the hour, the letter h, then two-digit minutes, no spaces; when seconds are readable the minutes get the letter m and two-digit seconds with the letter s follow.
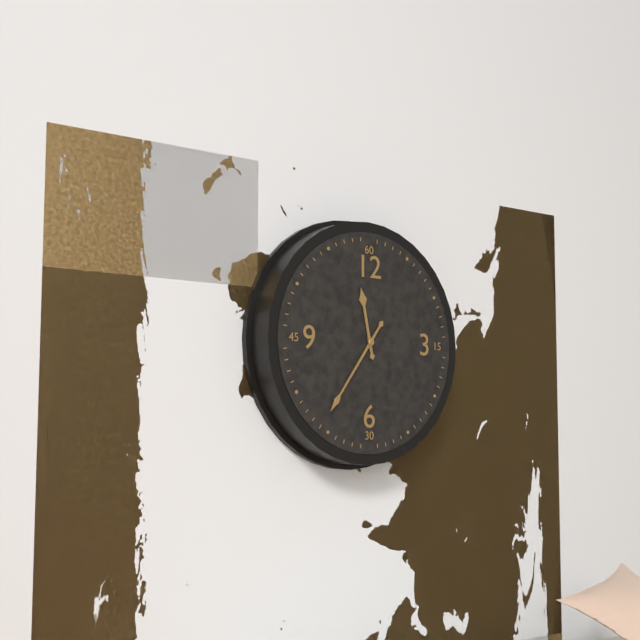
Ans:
11h36
